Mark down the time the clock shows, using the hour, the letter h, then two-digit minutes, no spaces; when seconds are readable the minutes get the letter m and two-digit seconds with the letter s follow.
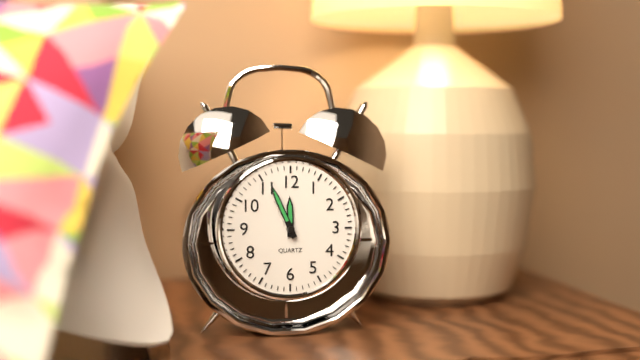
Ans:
11h56
